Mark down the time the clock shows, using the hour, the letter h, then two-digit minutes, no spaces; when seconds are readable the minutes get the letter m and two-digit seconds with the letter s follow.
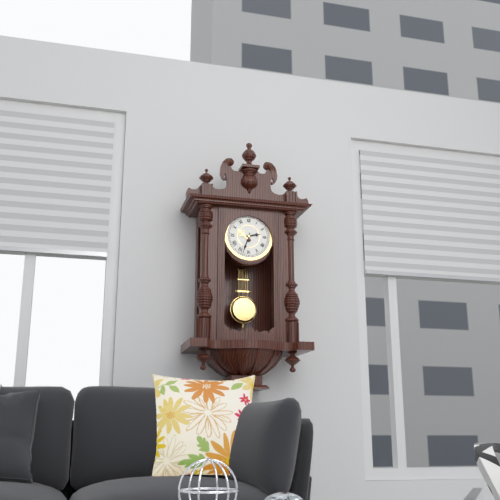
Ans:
2h33
